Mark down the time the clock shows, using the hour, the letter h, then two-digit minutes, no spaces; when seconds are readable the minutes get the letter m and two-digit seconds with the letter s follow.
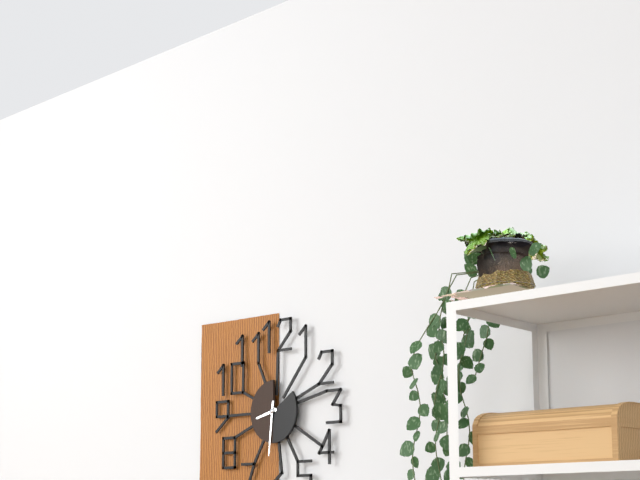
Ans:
8h31
